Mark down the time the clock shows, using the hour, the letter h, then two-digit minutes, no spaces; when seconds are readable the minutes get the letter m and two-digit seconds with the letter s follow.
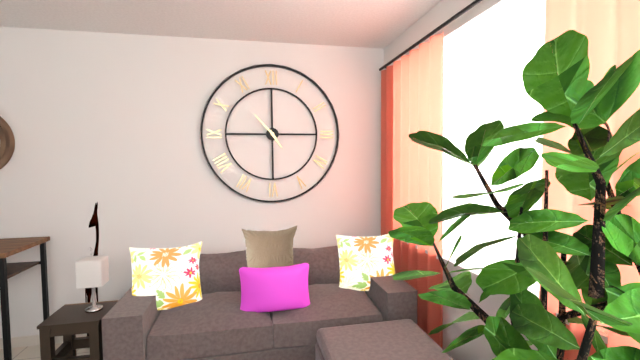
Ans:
4h53
